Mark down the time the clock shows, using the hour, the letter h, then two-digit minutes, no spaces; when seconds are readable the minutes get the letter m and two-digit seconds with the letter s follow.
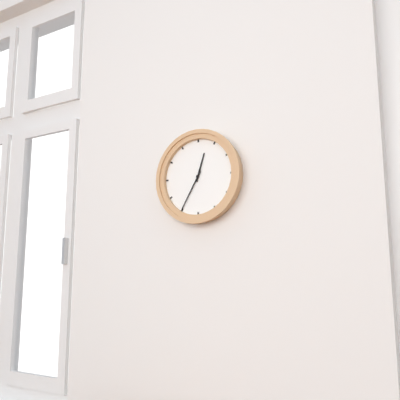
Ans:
12h35
